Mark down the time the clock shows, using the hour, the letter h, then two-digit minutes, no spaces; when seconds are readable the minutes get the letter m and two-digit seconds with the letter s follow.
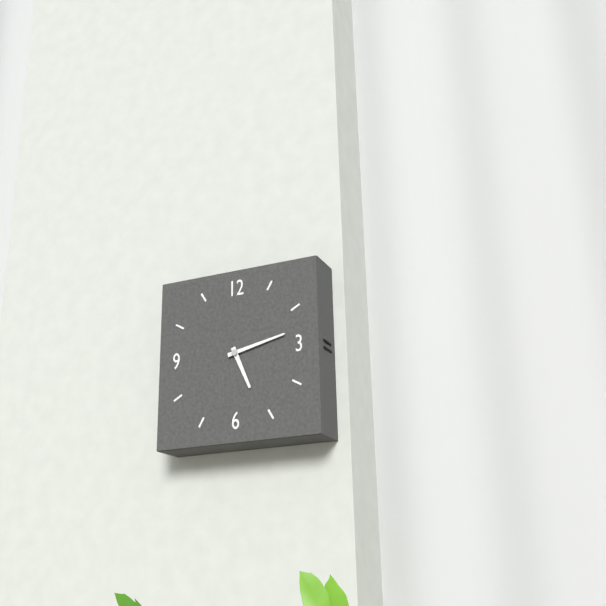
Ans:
5h13
